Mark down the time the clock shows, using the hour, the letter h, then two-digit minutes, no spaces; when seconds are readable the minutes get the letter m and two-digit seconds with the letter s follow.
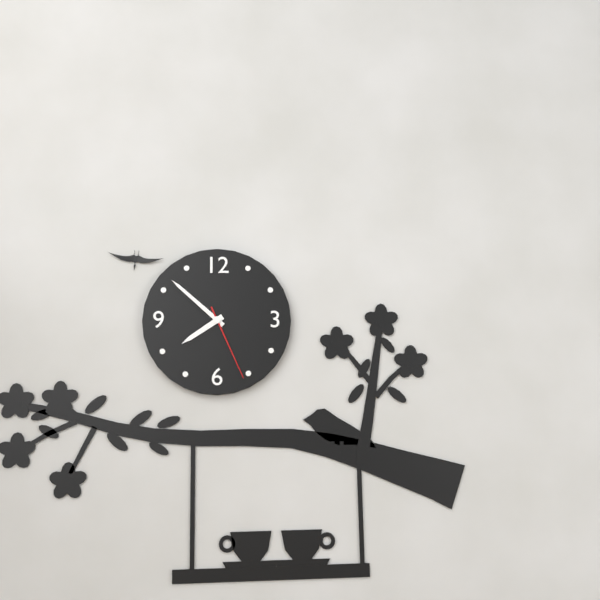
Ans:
7h52m26s
